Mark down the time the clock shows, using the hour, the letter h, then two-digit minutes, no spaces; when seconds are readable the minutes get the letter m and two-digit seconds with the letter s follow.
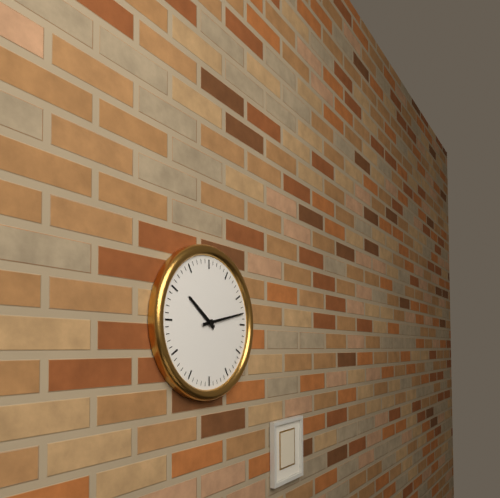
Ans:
10h13
